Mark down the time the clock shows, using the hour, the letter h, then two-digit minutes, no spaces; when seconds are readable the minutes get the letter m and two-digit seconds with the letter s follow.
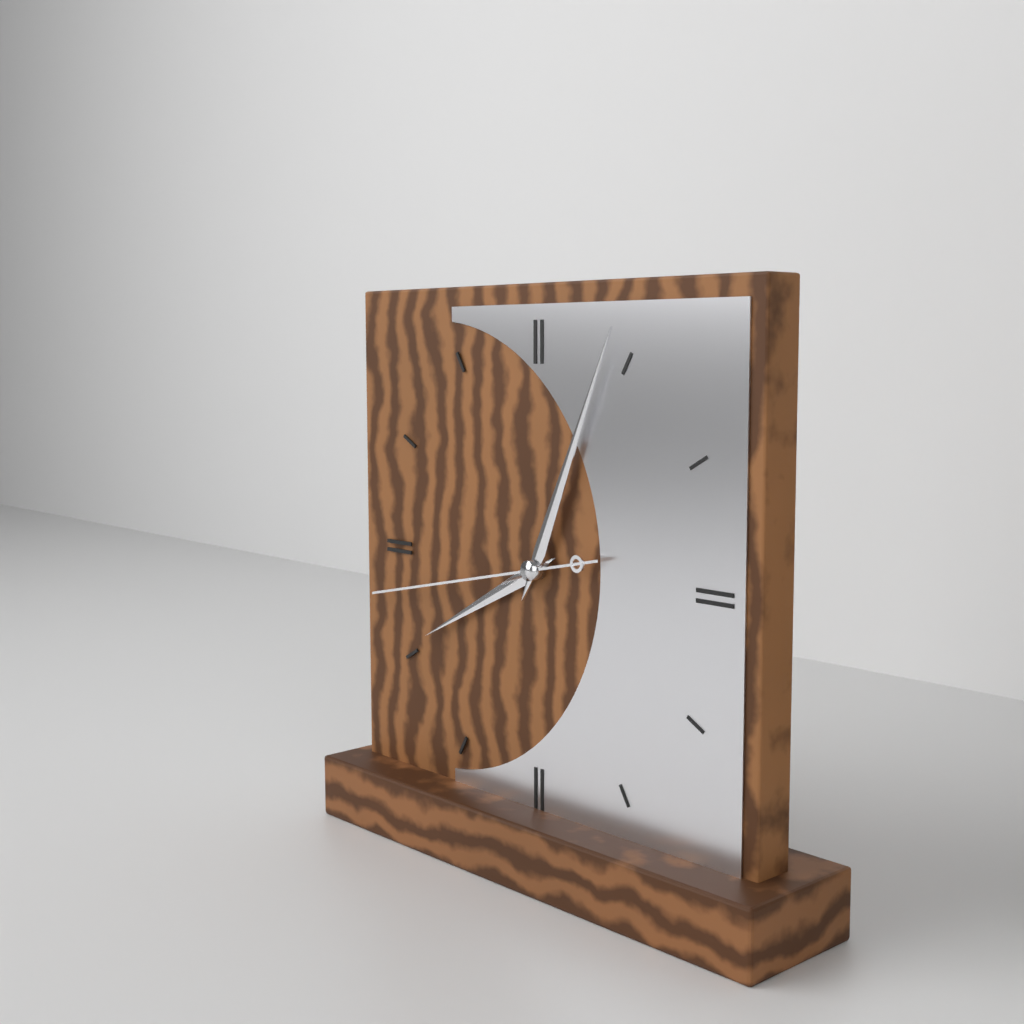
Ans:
8h04m43s
